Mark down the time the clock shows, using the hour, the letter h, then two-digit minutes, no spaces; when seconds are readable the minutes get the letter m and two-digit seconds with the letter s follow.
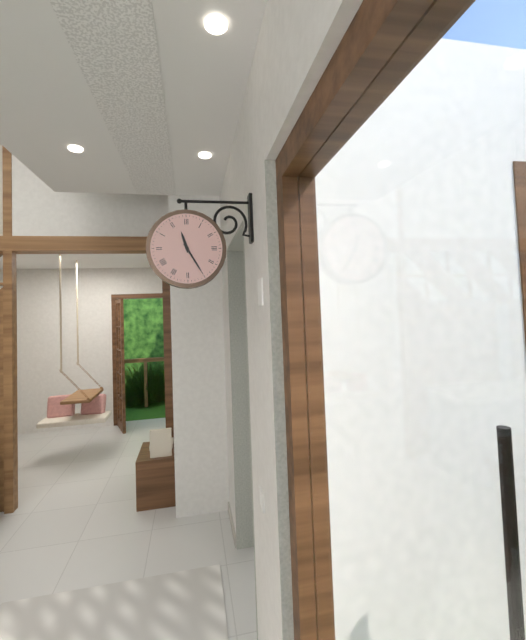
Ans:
11h25
